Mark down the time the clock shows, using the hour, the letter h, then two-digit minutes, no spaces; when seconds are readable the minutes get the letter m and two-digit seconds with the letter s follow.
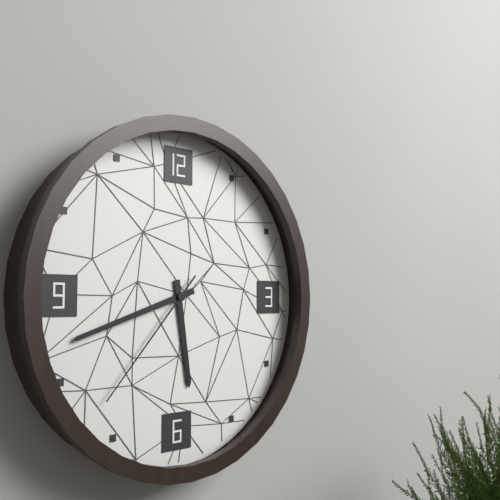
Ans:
5h42m37s
